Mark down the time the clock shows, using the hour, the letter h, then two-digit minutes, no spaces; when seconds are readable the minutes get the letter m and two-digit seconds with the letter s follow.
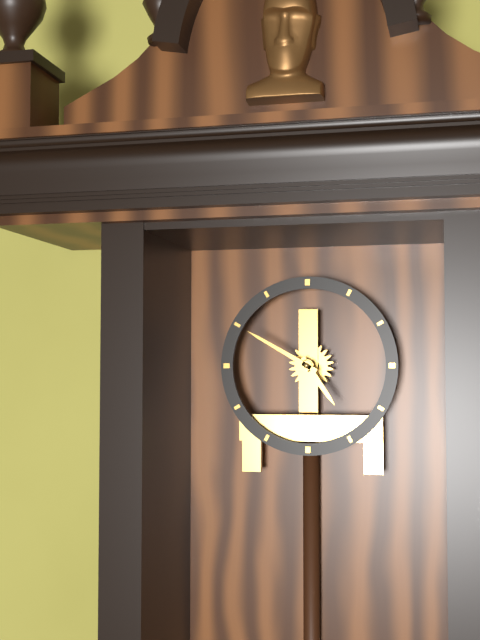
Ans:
4h50
